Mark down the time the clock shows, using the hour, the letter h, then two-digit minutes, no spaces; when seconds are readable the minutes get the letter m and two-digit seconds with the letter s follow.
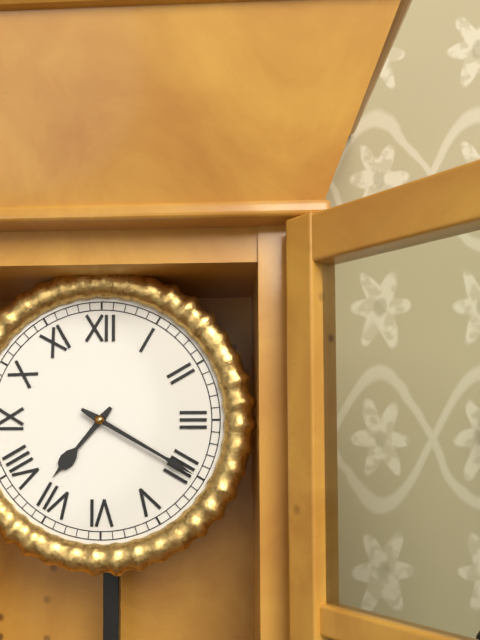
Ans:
7h20
